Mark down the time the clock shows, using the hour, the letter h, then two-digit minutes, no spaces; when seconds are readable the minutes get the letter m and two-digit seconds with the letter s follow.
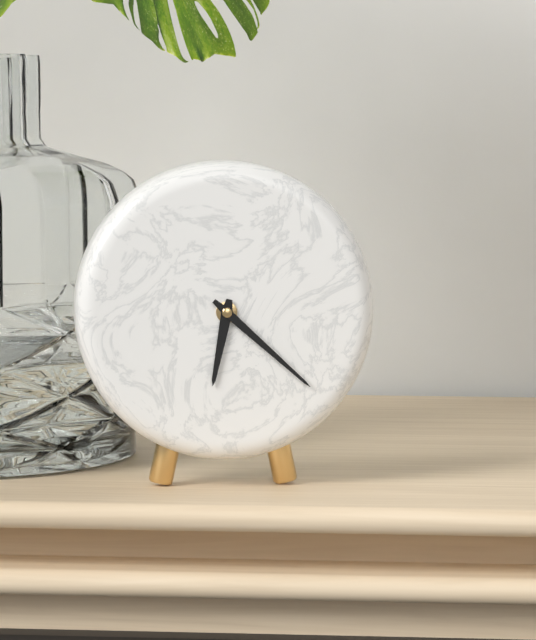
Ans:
6h22
